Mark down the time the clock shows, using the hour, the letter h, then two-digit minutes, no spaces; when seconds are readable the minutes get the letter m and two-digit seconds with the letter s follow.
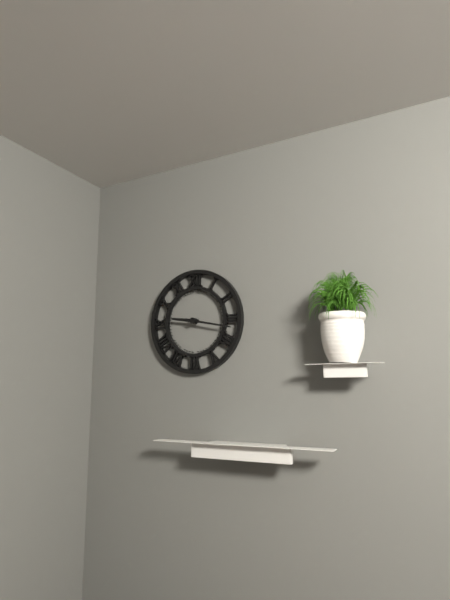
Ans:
9h17
